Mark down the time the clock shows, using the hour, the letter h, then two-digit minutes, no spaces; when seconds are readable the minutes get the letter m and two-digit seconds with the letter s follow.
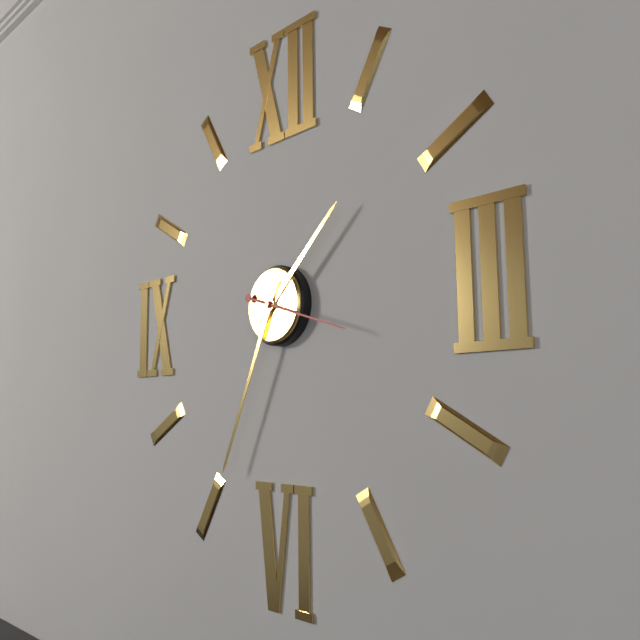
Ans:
1h34m18s
